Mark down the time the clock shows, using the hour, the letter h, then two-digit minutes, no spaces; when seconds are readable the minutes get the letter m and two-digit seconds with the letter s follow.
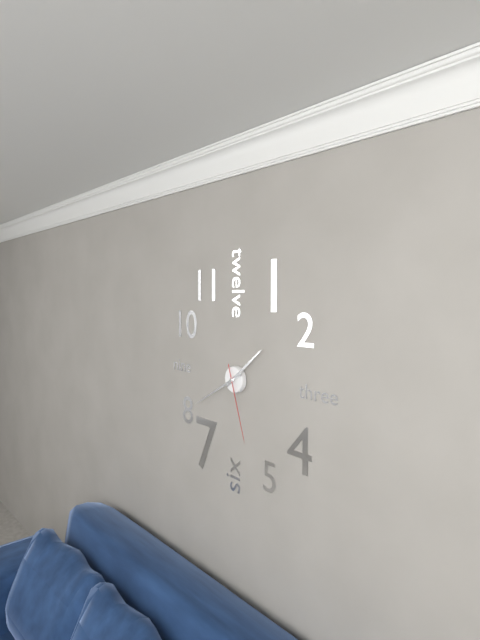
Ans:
1h40m27s
